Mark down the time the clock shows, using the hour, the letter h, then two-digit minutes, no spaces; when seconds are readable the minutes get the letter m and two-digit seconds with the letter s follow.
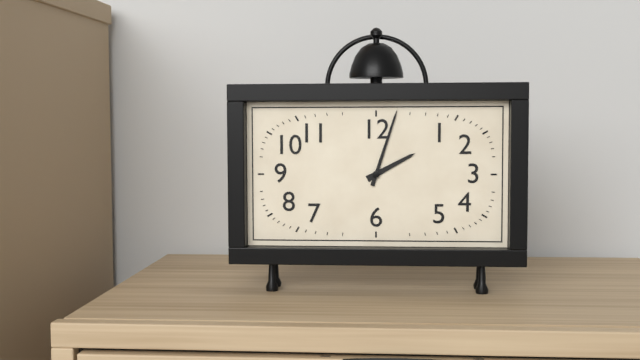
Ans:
2h03
